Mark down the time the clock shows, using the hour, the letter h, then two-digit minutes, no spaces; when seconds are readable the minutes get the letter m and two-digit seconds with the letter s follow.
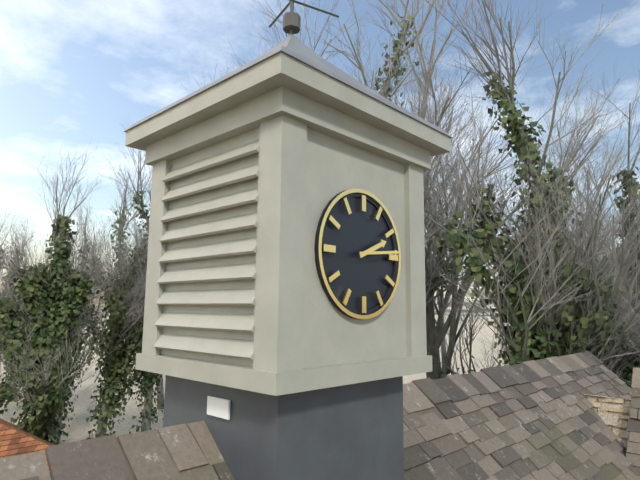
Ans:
2h14
